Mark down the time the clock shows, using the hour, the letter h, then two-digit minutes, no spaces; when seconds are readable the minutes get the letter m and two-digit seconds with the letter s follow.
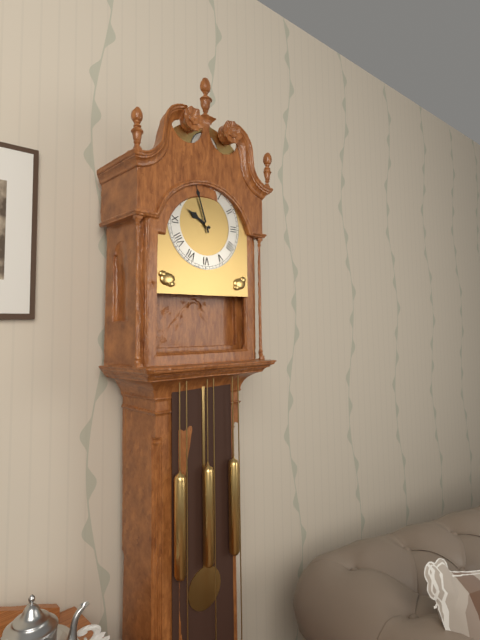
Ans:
9h57
